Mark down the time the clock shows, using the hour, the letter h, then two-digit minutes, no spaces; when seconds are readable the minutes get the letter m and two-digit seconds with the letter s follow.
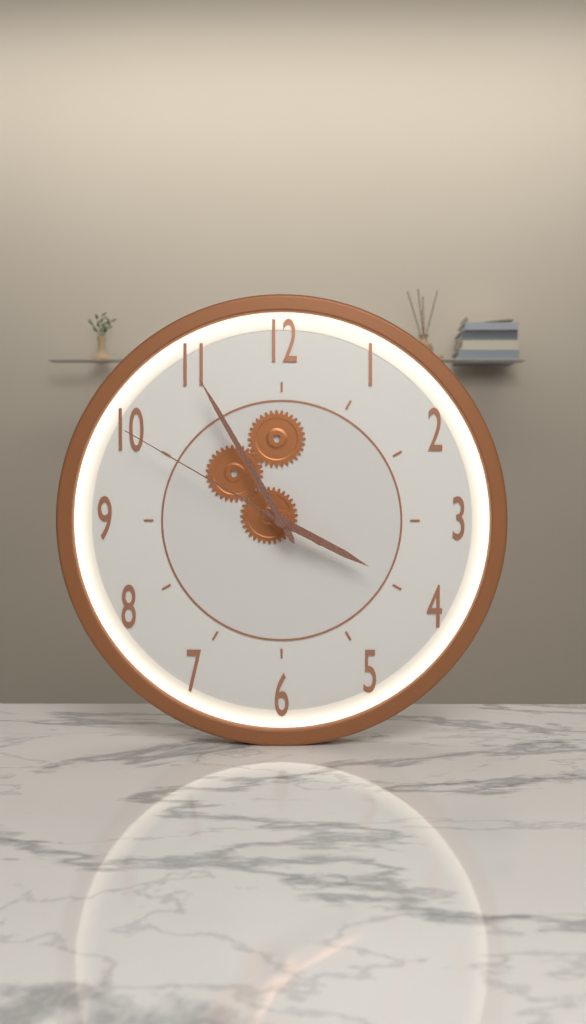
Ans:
3h55m50s
